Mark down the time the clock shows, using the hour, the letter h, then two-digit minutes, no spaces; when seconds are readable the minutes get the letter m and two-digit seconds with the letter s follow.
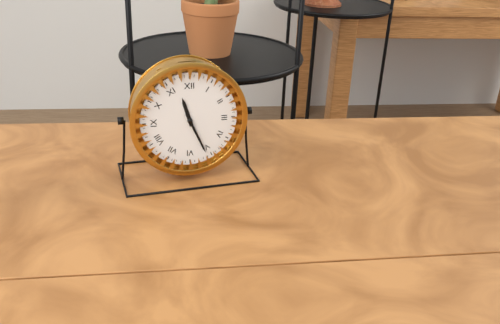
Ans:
11h26
